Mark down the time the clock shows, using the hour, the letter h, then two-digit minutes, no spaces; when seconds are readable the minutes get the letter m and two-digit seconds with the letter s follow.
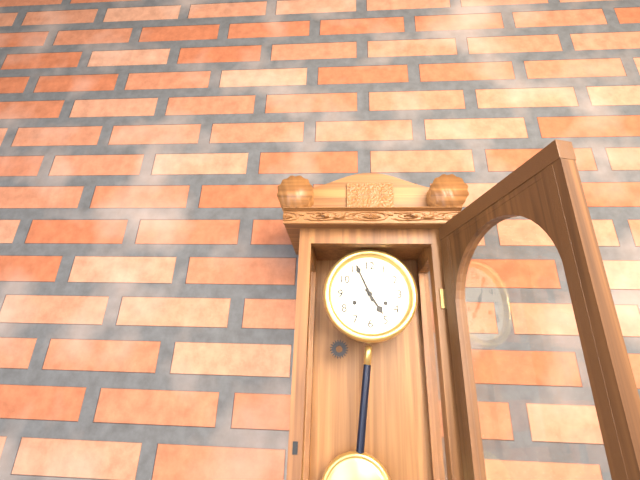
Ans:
4h56
